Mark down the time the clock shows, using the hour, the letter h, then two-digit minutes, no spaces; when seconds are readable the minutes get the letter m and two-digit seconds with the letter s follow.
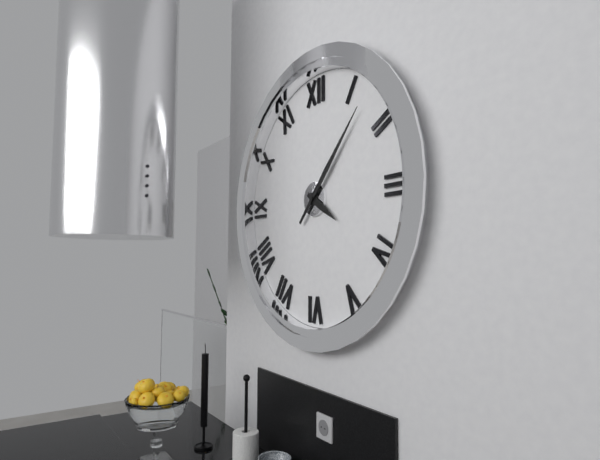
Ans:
4h07
